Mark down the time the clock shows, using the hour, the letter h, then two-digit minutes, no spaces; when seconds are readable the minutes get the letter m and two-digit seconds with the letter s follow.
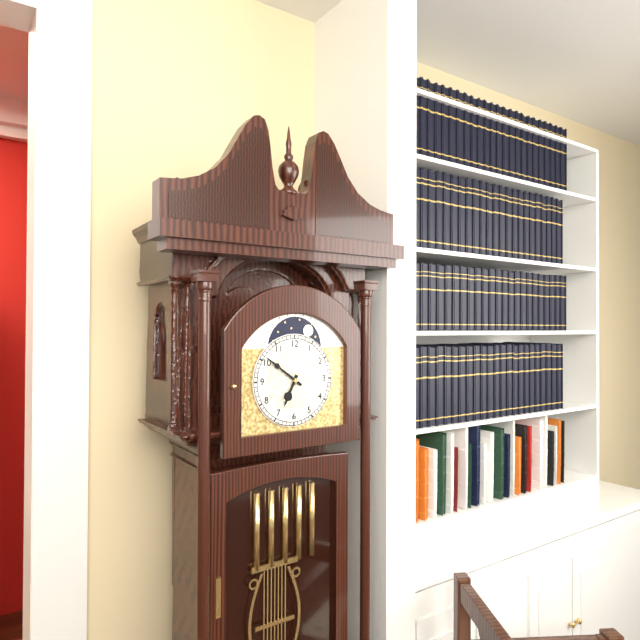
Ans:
6h51
